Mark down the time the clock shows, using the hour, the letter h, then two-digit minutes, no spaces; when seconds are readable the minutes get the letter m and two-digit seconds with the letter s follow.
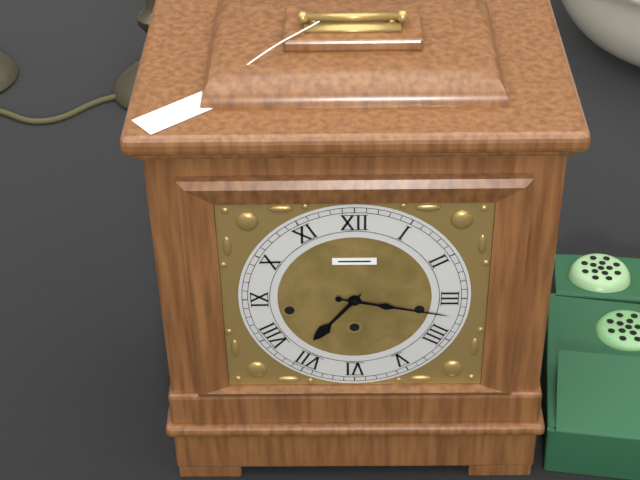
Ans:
7h17
